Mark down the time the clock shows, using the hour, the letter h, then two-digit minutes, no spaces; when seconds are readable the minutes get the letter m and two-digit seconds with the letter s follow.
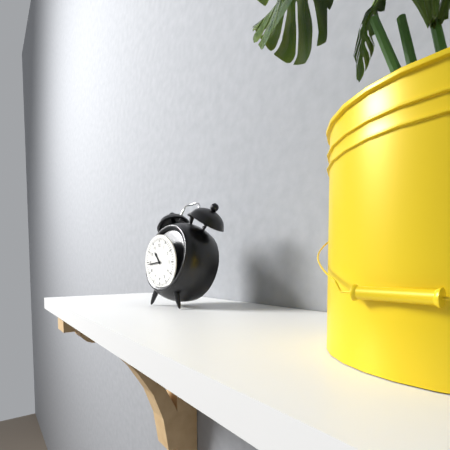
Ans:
10h44
